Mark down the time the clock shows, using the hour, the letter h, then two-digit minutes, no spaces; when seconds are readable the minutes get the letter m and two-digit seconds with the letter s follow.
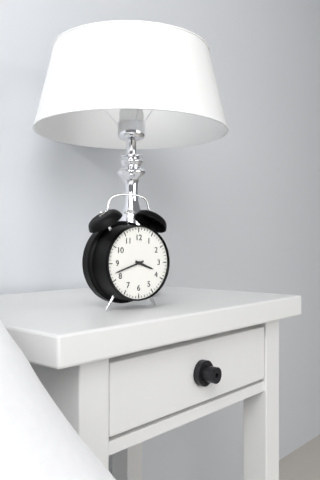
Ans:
3h42
